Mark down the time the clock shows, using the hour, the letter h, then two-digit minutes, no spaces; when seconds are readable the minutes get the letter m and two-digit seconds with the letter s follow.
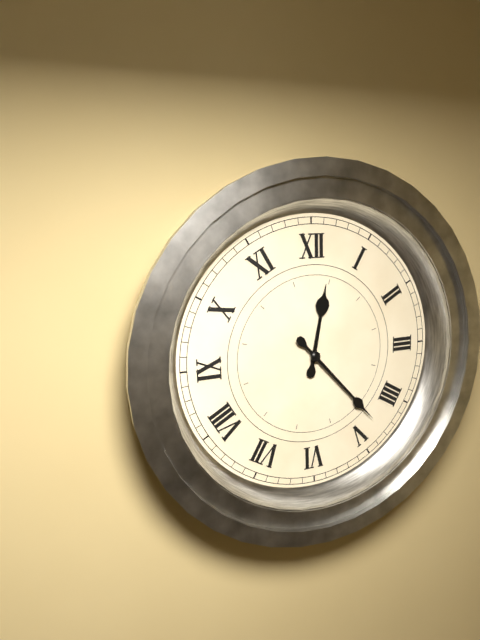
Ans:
12h23
